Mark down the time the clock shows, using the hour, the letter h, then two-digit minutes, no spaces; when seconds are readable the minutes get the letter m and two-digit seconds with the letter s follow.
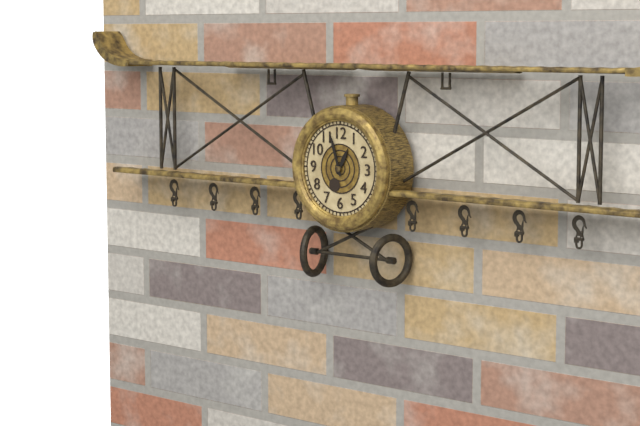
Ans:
12h57
